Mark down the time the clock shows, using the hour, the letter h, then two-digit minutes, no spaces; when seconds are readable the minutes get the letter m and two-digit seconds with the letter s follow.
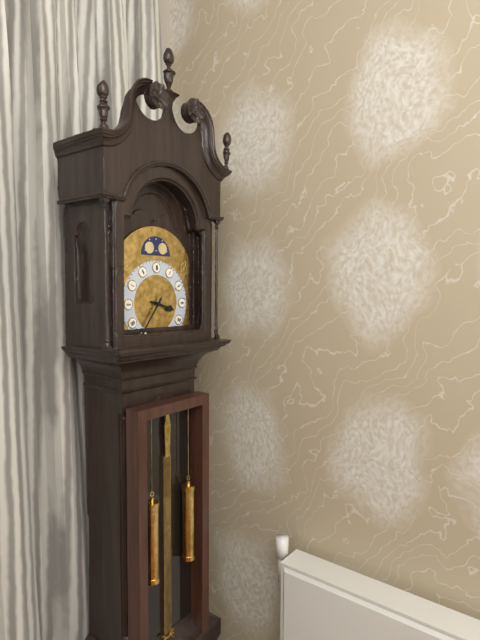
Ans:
3h36
